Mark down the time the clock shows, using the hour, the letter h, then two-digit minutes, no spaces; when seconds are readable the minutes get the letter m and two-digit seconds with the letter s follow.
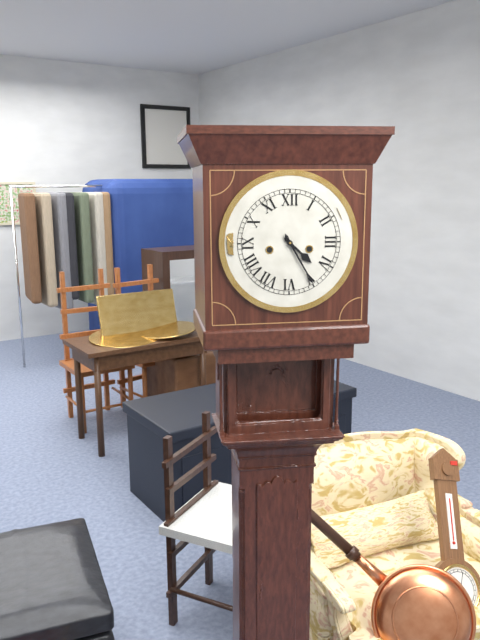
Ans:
4h25
